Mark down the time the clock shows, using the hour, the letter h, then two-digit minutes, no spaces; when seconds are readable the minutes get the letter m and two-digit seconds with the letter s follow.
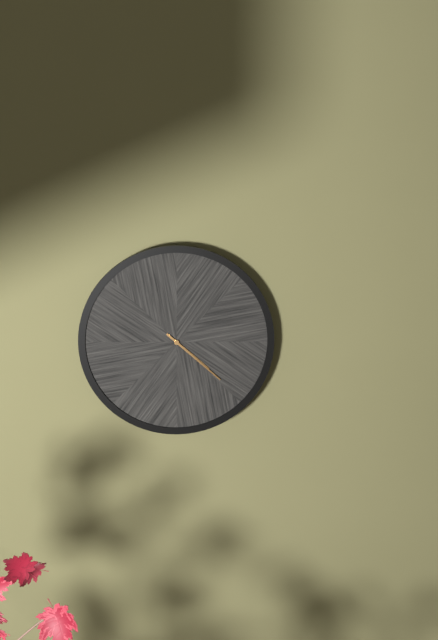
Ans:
4h22
